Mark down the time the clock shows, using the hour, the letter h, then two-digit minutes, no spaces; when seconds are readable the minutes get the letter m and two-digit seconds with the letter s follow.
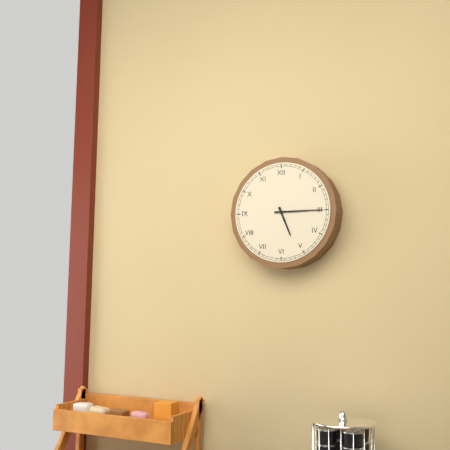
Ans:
5h15
